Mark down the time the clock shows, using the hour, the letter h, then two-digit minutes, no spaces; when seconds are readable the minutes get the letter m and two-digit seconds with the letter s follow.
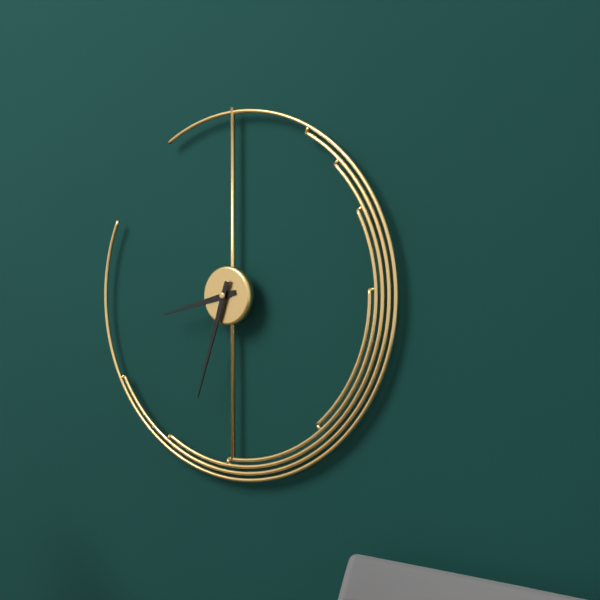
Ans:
8h33
